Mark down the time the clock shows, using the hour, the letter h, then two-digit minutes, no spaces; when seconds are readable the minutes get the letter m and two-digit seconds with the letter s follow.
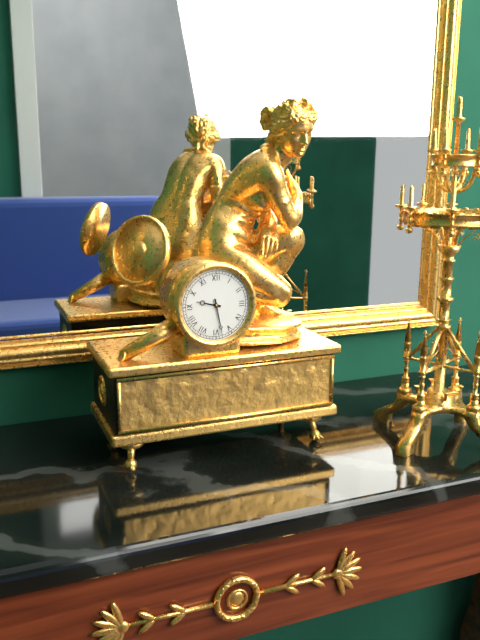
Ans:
9h28
